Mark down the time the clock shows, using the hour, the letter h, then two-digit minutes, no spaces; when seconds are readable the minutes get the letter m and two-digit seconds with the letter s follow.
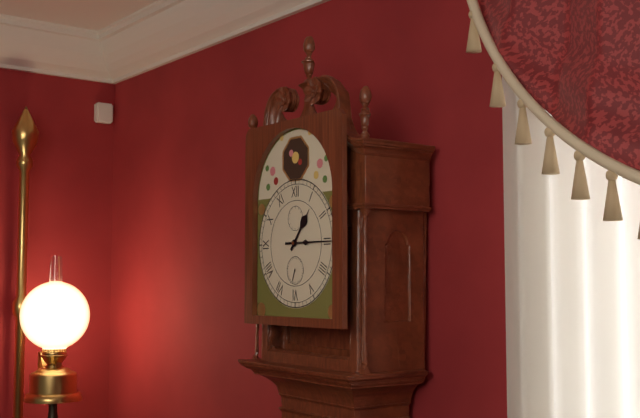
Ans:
1h15
